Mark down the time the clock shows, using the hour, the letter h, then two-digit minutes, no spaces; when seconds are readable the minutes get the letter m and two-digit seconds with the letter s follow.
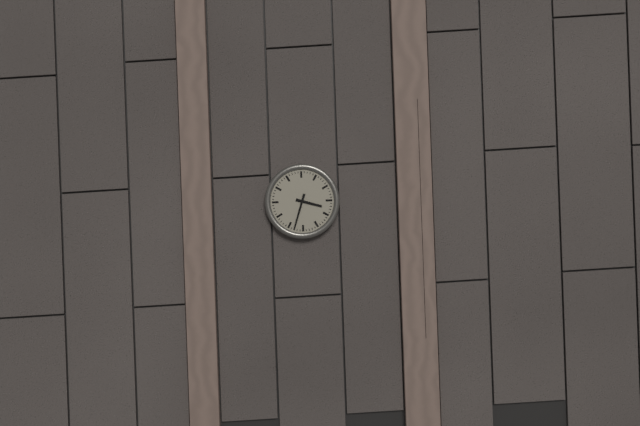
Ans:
3h33
